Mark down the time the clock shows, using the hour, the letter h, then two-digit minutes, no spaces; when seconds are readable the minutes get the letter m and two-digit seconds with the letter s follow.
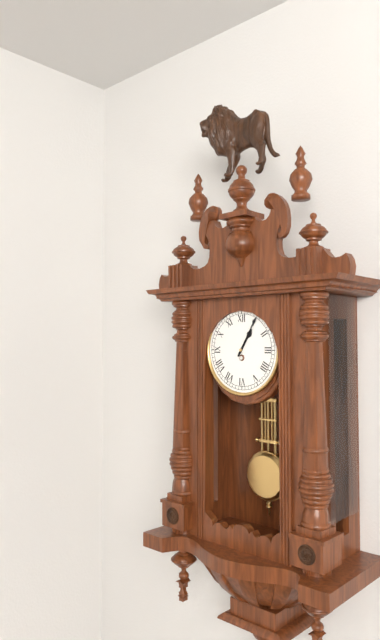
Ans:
1h05
